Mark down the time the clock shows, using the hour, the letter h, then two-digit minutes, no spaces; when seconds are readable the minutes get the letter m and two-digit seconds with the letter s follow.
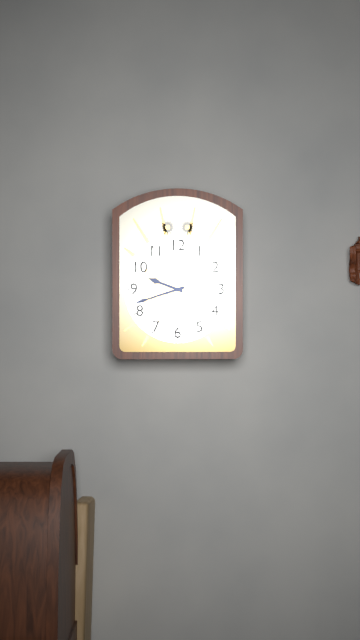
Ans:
9h42
